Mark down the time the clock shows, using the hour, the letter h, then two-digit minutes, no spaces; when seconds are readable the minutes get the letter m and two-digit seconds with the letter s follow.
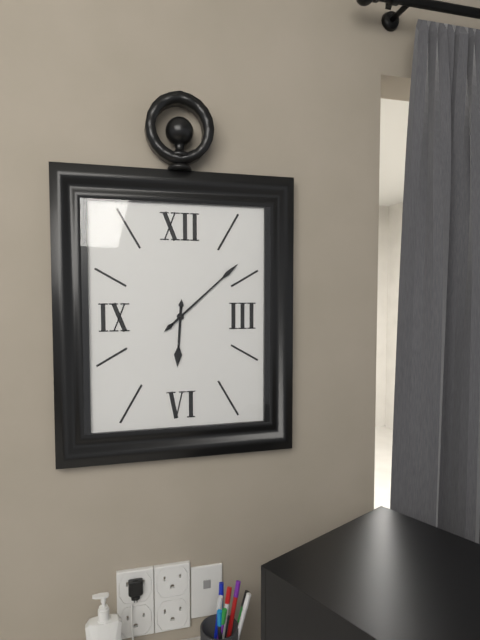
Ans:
6h08
